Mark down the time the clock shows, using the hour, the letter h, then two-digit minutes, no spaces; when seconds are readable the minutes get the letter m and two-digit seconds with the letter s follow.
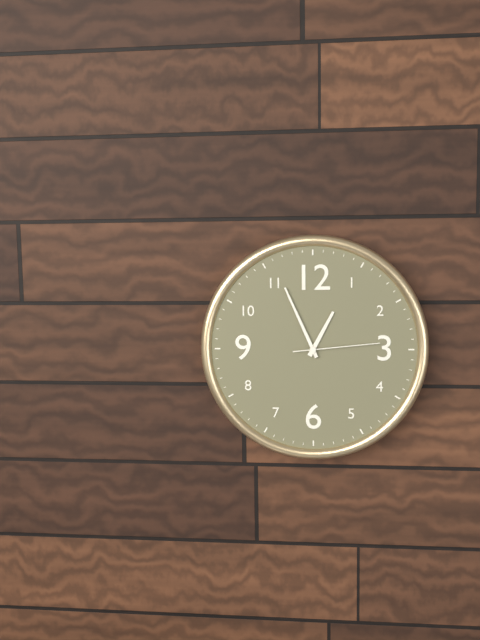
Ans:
12h56m14s
